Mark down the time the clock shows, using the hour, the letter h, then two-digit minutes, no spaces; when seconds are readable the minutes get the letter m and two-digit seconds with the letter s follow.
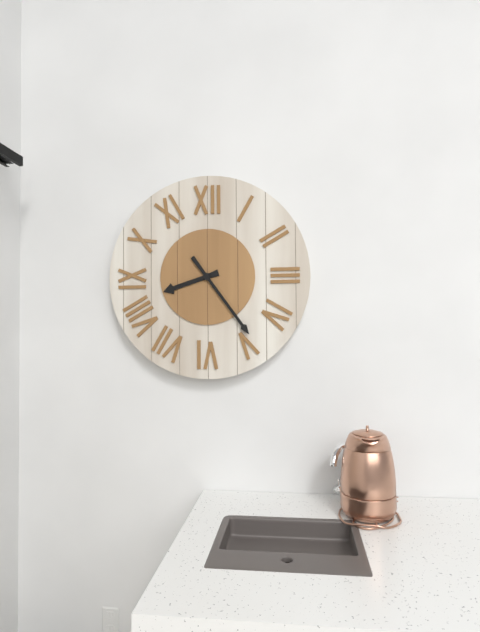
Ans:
8h24
